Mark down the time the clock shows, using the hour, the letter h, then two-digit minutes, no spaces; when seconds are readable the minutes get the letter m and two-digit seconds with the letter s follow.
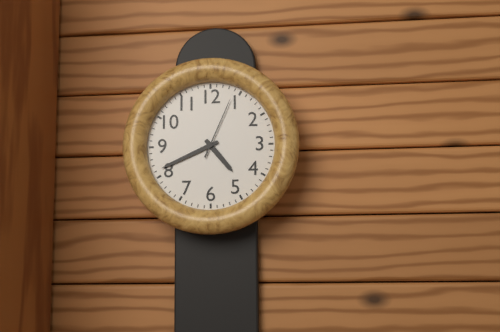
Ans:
4h41m04s
